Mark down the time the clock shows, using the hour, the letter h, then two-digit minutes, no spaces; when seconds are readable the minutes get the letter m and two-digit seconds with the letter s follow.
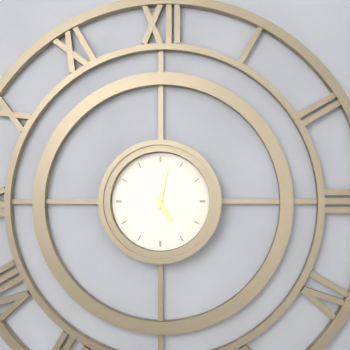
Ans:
5h02
